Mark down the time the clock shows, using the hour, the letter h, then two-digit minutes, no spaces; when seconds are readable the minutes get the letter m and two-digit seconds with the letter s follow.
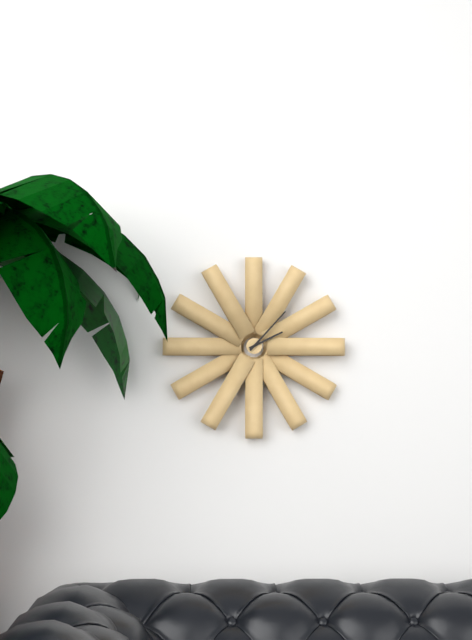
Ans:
2h07
